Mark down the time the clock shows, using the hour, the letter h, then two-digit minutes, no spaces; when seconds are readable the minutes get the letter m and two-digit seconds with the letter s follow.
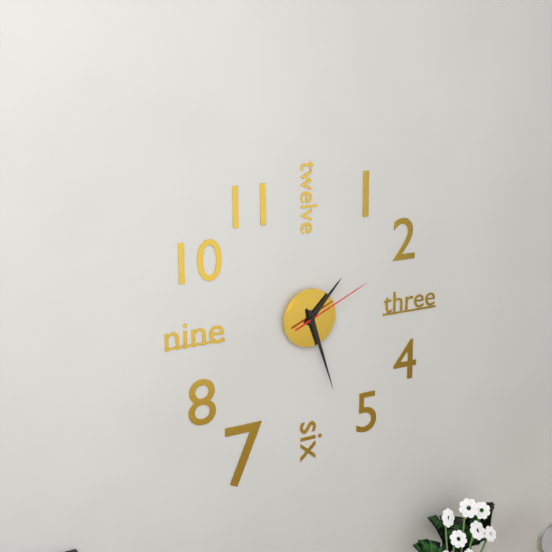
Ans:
1h27m11s
